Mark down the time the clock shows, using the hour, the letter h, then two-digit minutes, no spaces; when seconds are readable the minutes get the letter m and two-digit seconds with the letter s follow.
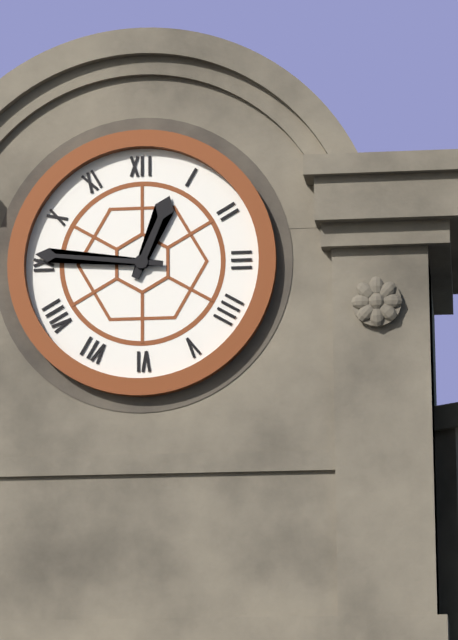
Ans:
12h46
